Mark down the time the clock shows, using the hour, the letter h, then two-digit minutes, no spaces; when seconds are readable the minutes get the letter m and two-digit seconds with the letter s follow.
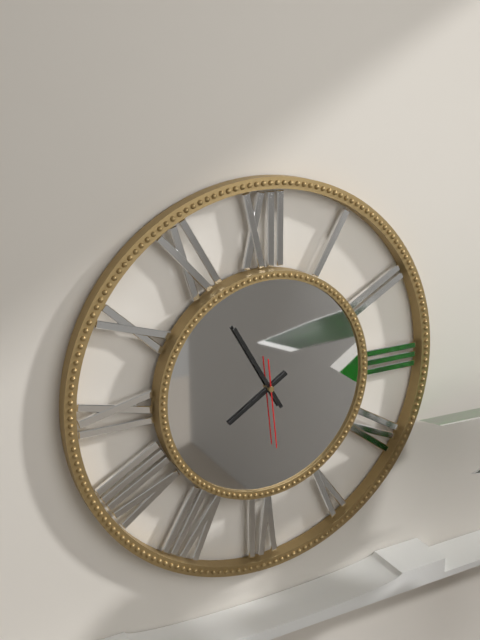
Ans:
7h55m29s
